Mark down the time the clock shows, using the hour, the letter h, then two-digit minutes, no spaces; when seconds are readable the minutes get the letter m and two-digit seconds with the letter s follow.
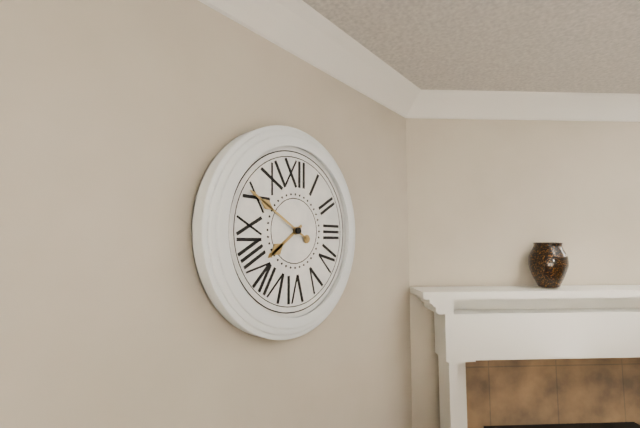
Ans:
7h50
